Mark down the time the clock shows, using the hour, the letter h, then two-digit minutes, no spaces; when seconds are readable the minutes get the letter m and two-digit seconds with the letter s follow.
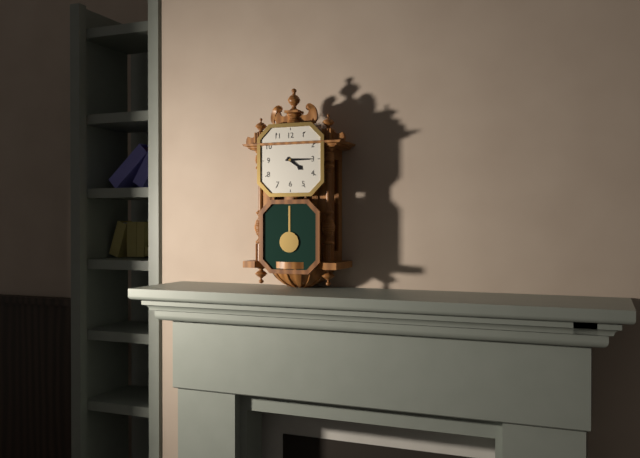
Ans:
4h15
